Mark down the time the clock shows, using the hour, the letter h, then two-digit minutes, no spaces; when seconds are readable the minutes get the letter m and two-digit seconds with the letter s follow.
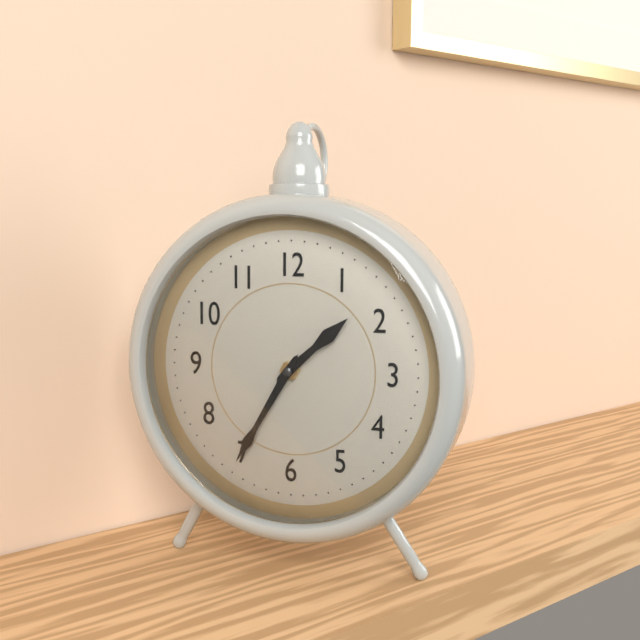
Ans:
1h35
